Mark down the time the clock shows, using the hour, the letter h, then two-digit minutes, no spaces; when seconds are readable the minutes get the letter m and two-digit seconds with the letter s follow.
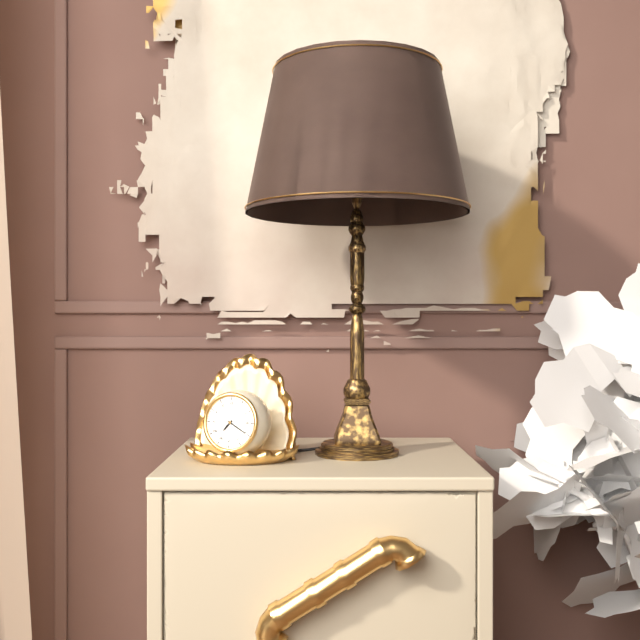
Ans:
7h20
